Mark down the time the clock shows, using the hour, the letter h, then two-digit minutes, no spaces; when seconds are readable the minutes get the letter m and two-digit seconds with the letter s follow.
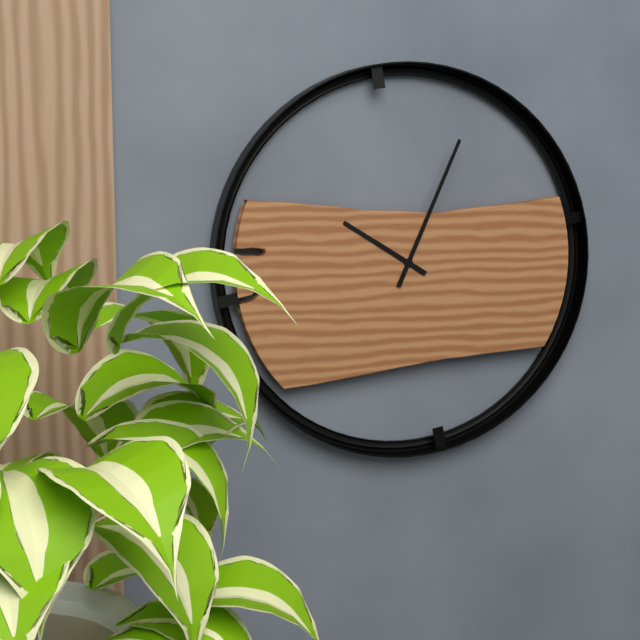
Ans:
10h04
